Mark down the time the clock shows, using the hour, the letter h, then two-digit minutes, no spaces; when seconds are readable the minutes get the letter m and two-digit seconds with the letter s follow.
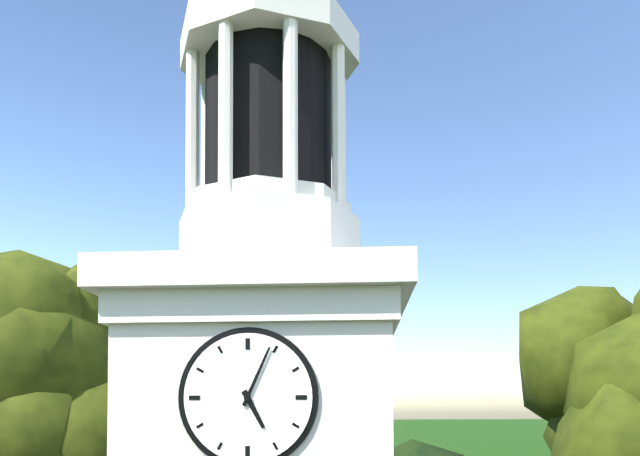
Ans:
5h04
